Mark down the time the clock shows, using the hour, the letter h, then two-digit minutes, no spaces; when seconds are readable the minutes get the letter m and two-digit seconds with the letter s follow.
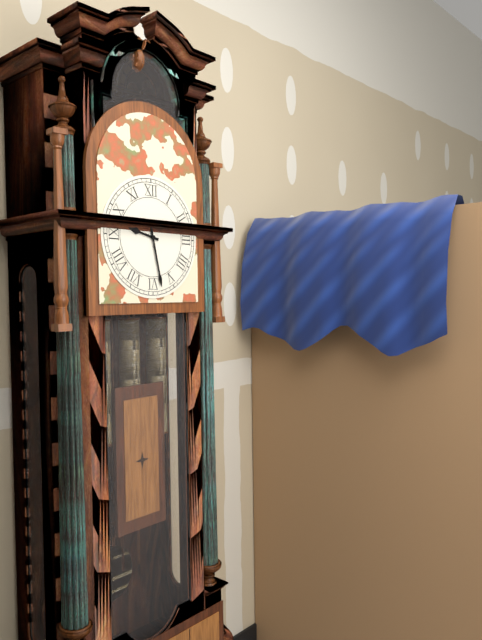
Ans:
9h28
